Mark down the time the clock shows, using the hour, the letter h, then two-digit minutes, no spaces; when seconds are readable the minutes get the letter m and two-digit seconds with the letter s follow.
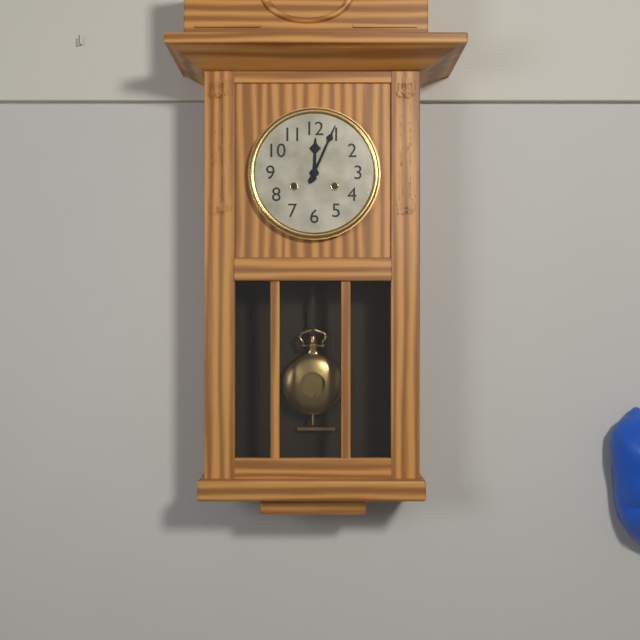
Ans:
12h04
